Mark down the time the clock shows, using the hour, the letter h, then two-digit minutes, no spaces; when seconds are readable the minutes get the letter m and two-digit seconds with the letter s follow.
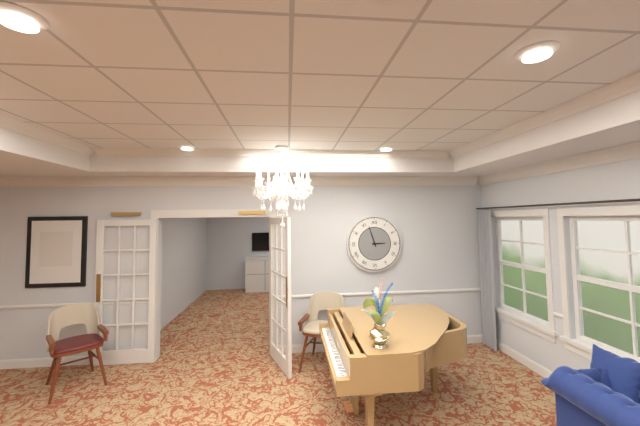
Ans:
2h57
